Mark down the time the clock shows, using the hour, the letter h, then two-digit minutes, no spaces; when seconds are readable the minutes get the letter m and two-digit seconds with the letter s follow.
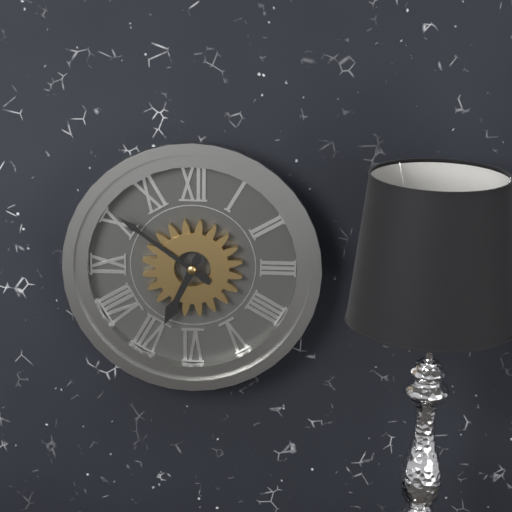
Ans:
6h51
